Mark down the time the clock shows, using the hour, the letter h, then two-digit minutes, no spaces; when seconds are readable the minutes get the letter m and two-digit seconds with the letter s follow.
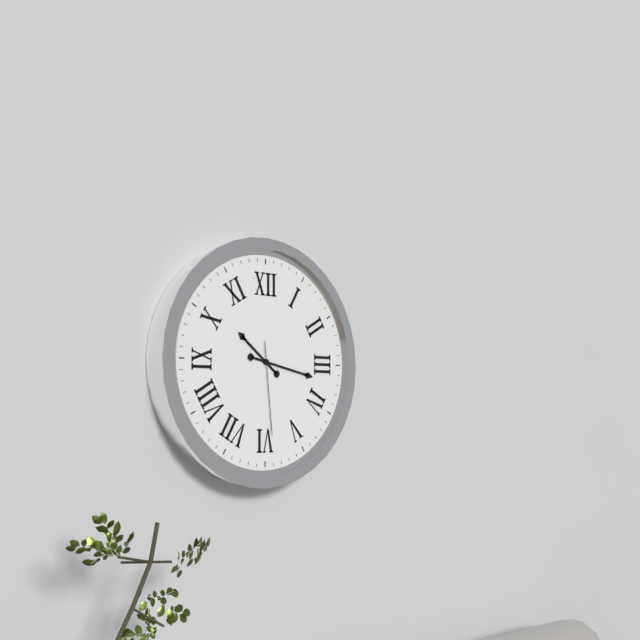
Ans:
10h17m29s
